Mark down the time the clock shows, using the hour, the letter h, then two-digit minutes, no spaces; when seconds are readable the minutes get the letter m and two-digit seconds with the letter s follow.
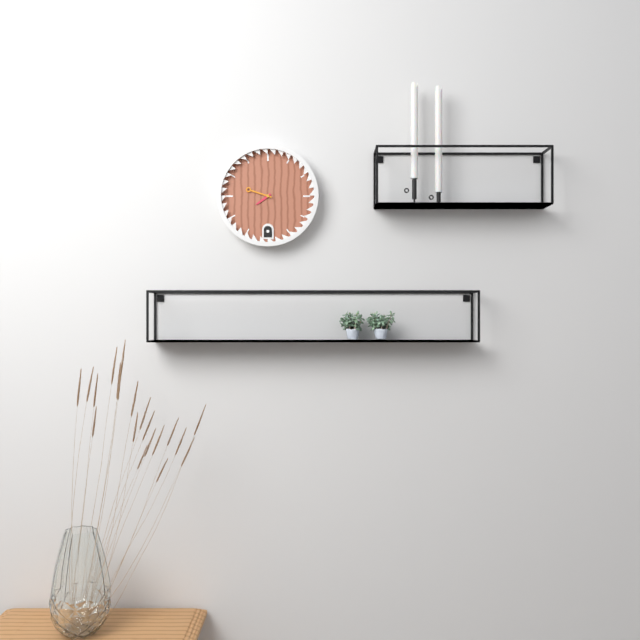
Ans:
7h48
